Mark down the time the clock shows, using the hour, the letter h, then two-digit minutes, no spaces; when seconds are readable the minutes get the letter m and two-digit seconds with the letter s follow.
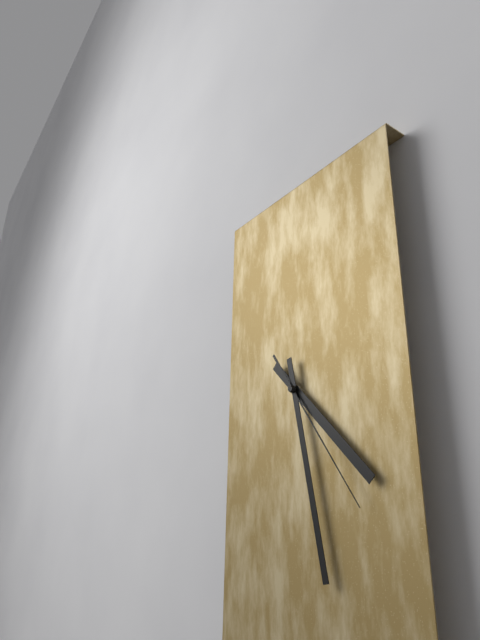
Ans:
4h28m24s
